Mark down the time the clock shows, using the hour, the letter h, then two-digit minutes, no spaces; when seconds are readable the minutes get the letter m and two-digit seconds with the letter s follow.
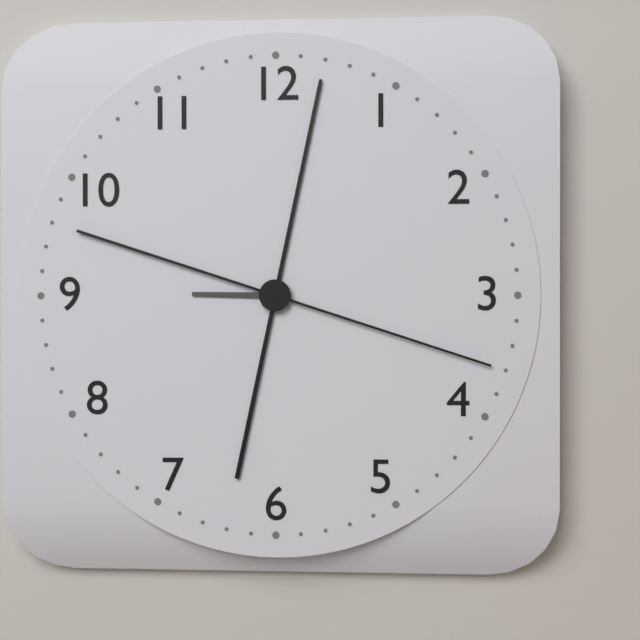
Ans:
9h02m18s
